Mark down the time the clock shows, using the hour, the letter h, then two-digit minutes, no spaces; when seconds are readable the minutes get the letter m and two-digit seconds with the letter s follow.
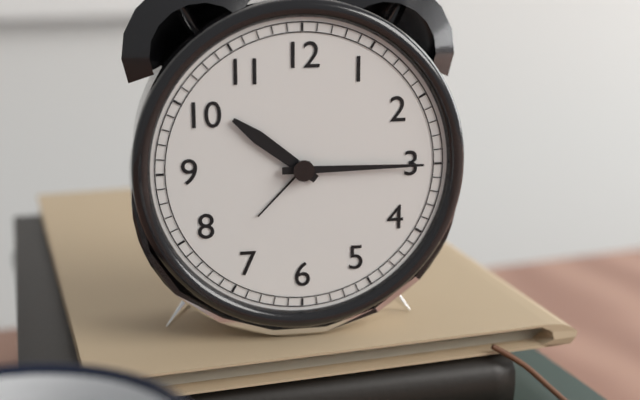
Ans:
10h15
